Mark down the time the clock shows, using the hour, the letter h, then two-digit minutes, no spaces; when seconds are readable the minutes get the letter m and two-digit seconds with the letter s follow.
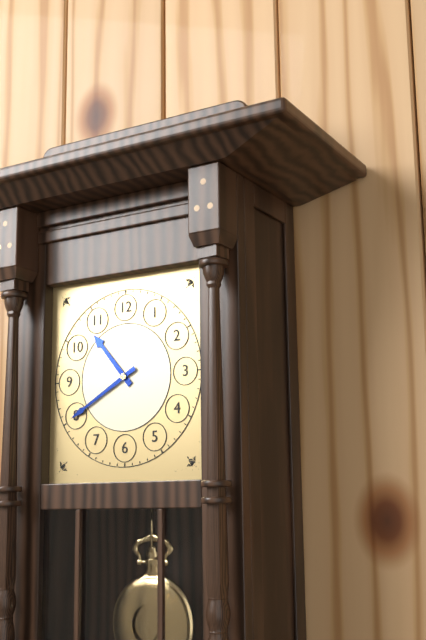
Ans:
10h40
